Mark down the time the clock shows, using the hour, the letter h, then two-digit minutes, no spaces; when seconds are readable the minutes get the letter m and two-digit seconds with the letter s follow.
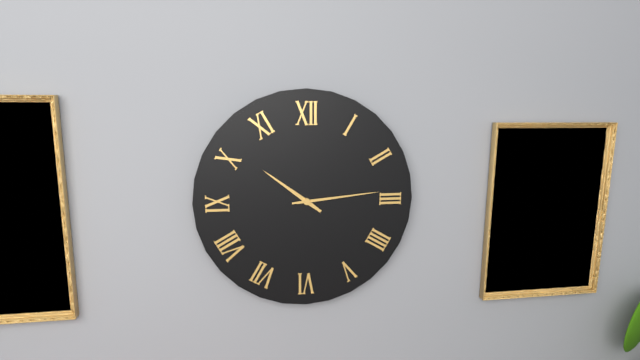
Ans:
10h14
